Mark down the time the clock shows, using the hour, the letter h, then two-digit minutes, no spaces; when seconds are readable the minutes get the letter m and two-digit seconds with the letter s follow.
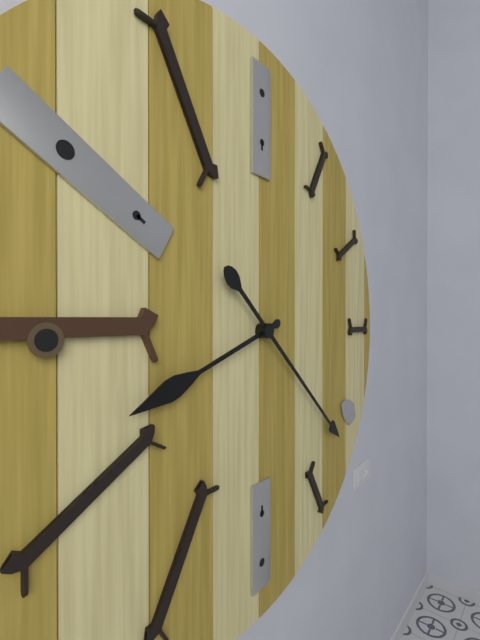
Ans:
8h22
